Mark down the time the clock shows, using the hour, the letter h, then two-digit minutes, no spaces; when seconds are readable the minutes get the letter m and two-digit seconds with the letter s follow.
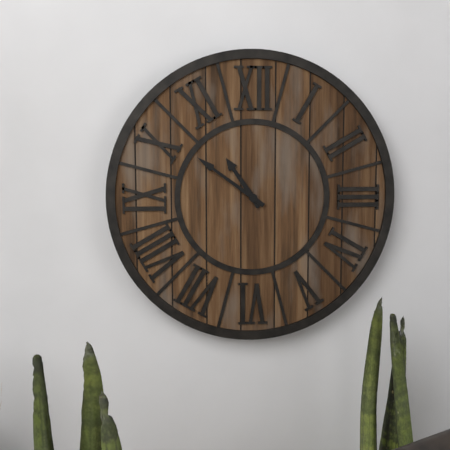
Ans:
10h51
